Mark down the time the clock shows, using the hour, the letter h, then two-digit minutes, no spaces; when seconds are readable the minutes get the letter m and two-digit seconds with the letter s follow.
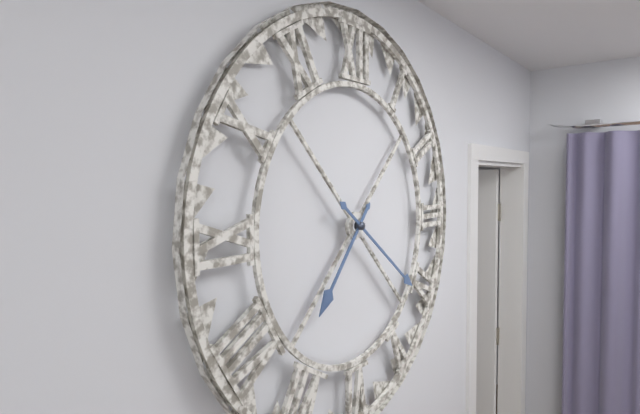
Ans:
7h21
